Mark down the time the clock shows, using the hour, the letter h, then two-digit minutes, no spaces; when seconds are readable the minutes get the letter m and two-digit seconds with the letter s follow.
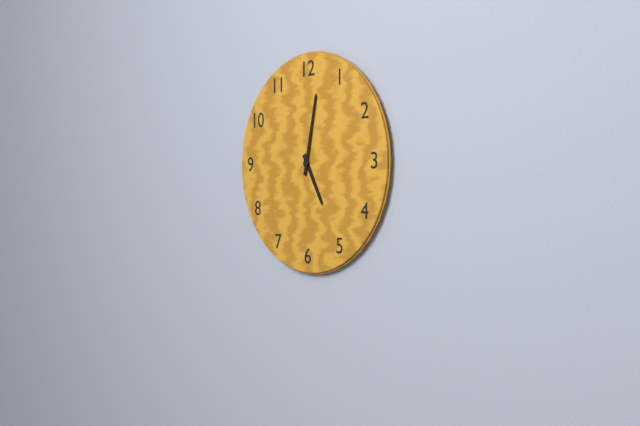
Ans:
5h02
